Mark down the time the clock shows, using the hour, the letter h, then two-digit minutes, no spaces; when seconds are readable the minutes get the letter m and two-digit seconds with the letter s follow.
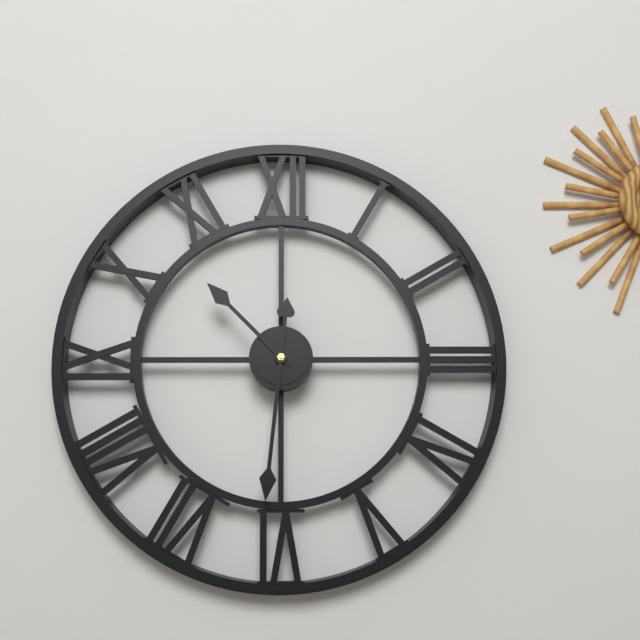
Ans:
10h31
